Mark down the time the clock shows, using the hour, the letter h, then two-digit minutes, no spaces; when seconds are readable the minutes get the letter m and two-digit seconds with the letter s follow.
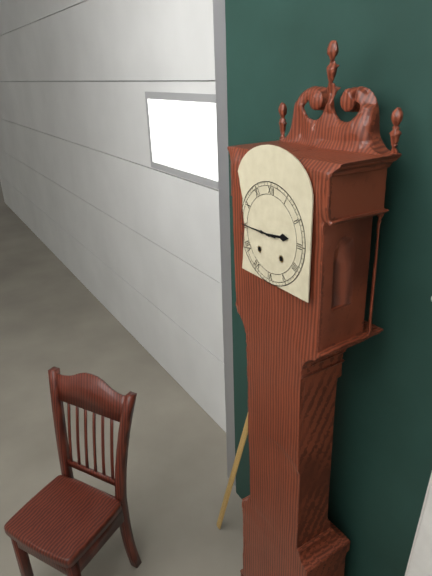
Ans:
2h45
